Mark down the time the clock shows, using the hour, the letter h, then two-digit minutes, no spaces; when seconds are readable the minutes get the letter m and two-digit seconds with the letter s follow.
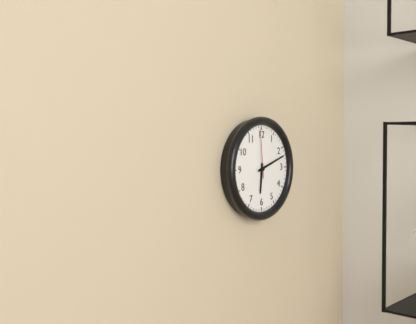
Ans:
6h12
